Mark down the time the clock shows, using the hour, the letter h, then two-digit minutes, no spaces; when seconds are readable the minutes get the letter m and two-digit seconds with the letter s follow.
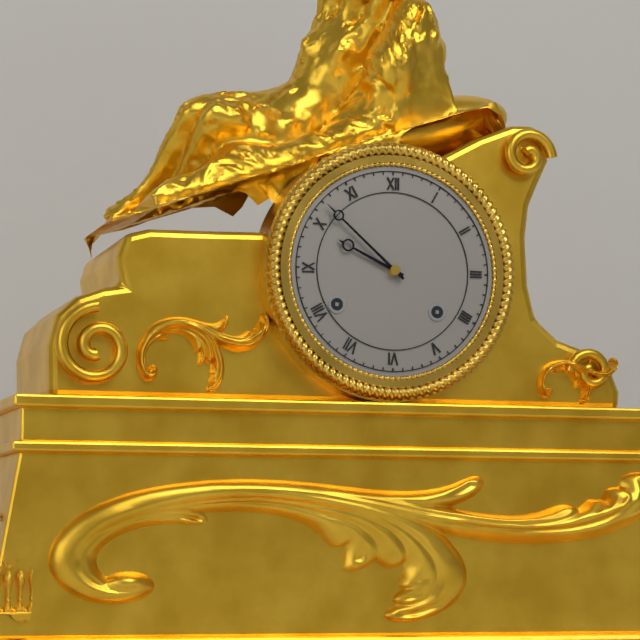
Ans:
9h52
